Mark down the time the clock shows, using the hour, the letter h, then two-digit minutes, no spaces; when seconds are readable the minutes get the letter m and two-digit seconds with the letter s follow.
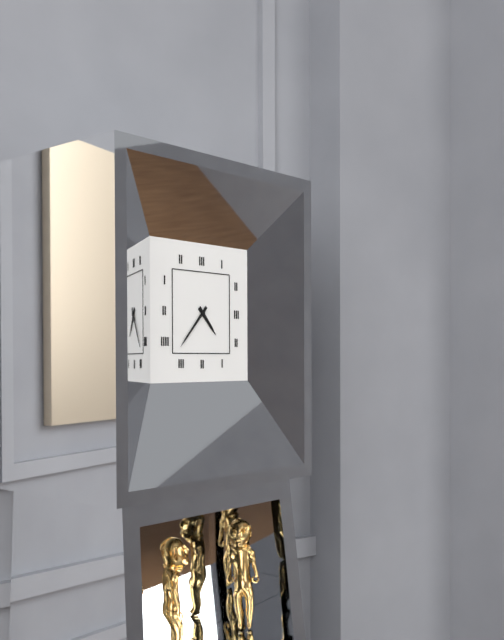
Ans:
4h37
